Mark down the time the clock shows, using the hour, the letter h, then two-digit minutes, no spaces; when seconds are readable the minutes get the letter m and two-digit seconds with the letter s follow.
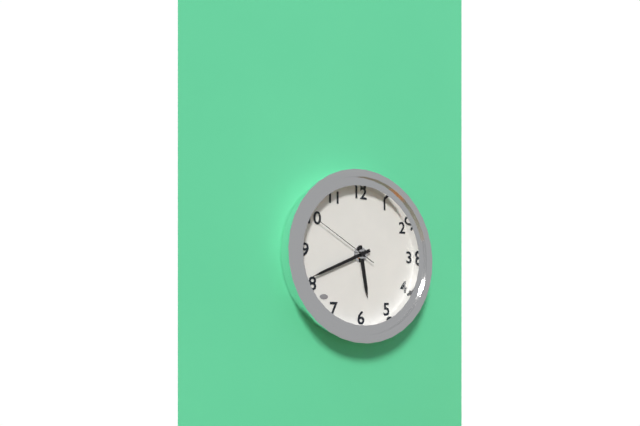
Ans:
5h41m50s
